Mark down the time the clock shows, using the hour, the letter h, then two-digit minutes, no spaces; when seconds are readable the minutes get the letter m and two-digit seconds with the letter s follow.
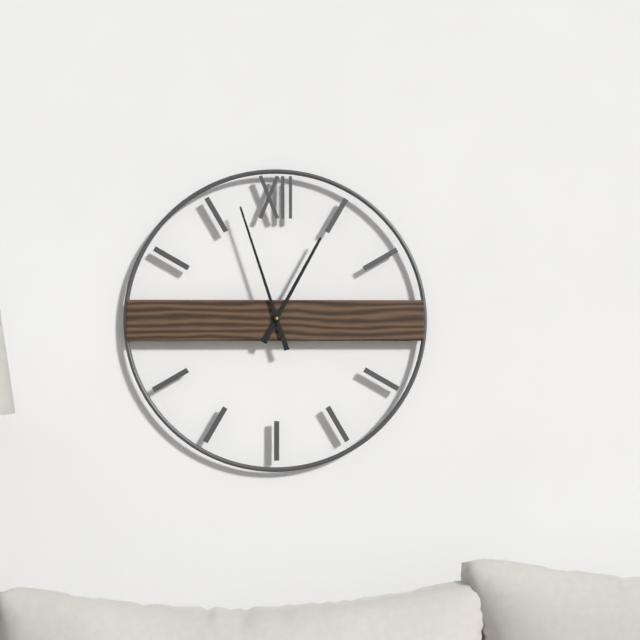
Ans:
12h57
